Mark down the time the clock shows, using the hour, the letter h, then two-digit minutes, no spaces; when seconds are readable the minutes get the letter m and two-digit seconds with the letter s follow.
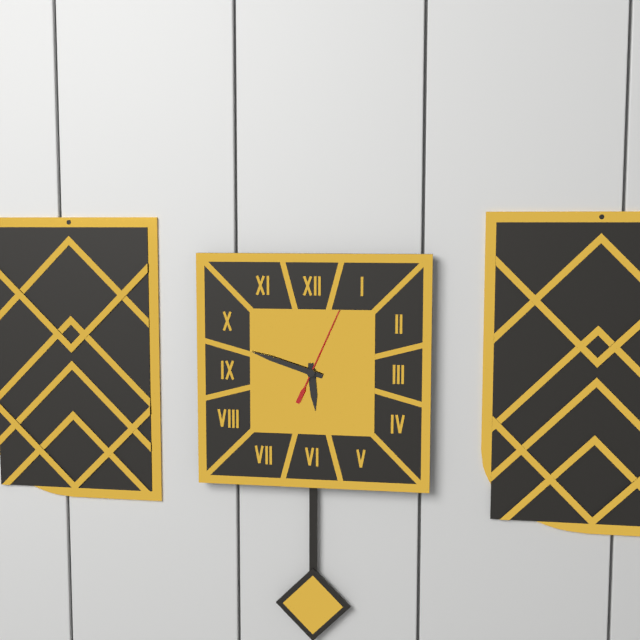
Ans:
5h48m04s
